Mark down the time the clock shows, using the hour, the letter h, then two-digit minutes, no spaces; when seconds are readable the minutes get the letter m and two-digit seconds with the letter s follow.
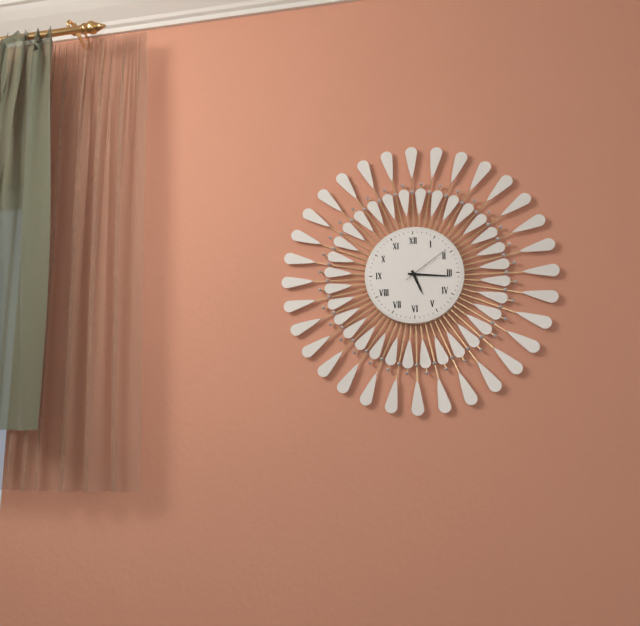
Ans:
5h16m09s
